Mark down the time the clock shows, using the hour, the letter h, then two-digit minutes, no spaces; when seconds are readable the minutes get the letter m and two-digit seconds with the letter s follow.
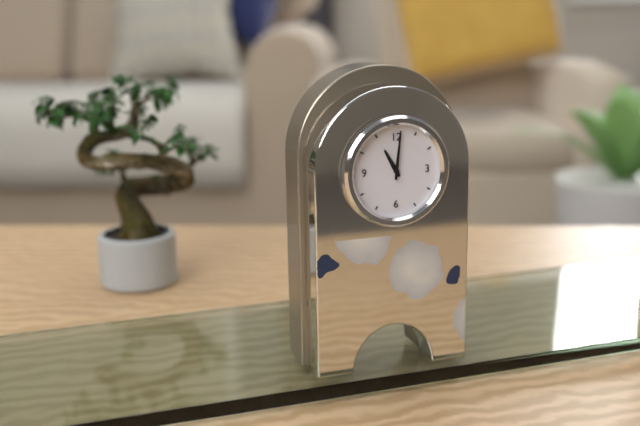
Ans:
11h01
